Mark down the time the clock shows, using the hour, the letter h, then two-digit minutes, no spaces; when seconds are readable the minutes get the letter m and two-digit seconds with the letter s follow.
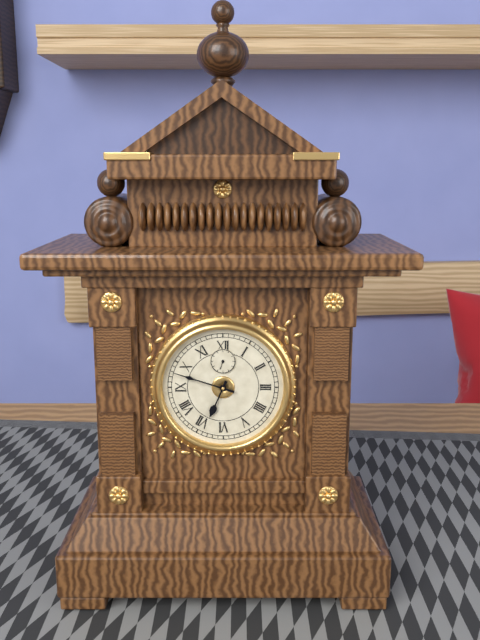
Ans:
6h48
